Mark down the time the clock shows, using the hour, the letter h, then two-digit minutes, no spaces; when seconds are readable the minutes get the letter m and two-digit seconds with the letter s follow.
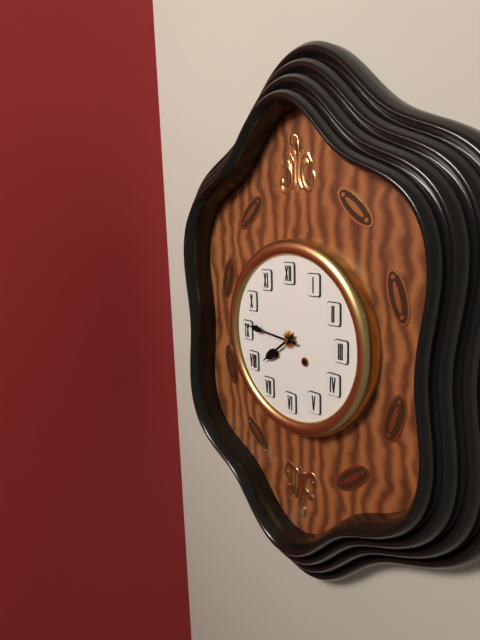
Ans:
7h46
